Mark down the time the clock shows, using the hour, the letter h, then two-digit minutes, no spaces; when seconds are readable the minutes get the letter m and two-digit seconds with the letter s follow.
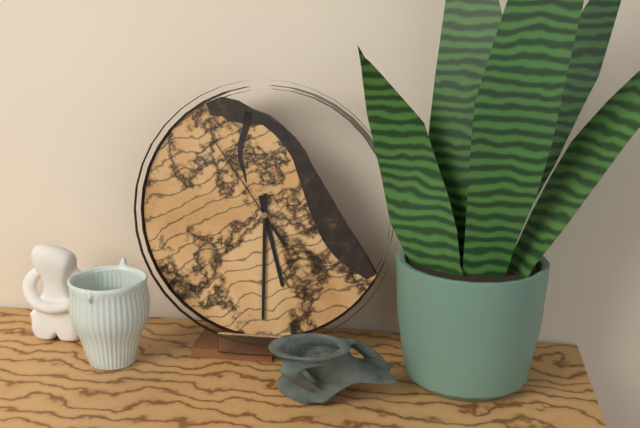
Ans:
5h30m54s
